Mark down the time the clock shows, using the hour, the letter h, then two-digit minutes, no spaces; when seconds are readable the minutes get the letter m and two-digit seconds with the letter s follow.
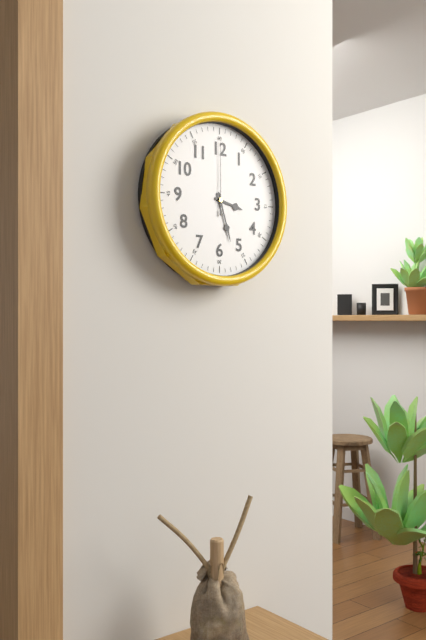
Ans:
3h27m00s
